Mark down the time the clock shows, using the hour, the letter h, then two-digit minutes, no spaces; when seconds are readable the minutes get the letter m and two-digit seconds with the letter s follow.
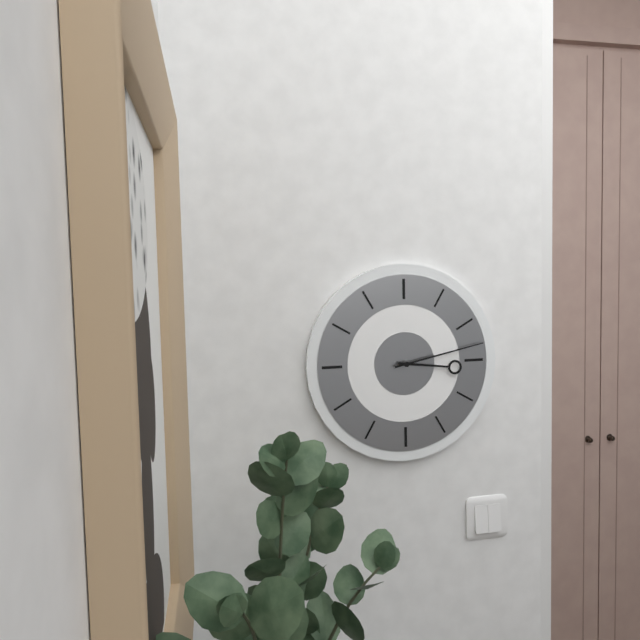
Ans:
3h13
